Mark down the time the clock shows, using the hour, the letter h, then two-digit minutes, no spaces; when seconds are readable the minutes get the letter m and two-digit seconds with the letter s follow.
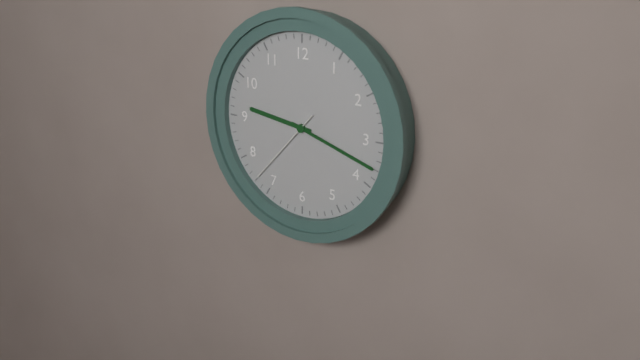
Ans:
9h18m37s
